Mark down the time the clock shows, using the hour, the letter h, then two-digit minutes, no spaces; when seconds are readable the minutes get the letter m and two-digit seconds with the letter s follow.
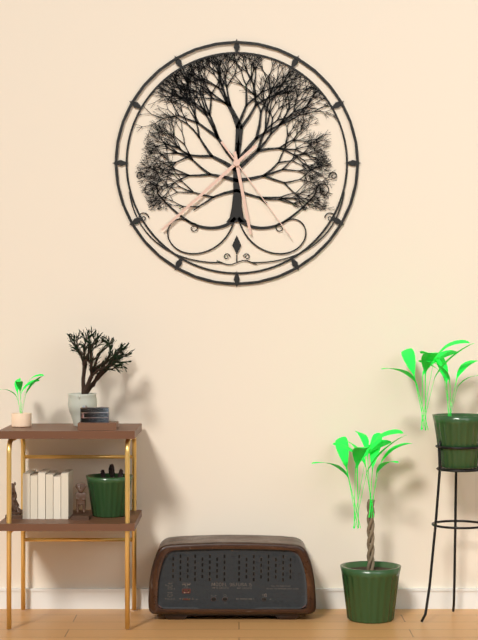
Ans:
5h38m24s
